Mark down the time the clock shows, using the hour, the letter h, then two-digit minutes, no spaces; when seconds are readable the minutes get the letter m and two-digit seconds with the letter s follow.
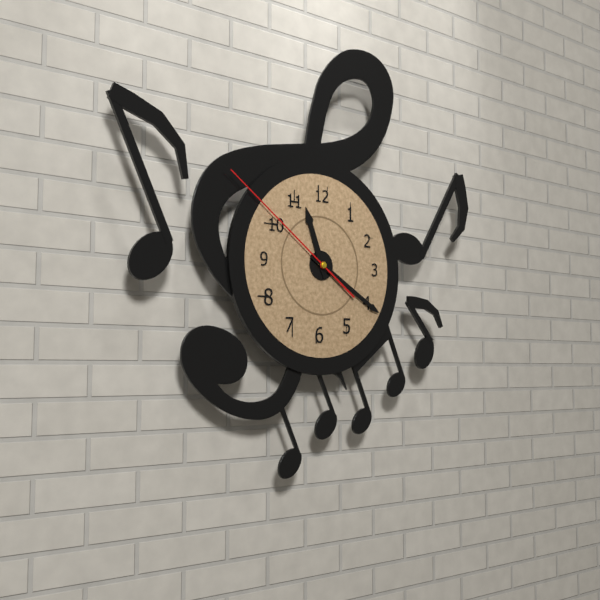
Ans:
11h20m51s
